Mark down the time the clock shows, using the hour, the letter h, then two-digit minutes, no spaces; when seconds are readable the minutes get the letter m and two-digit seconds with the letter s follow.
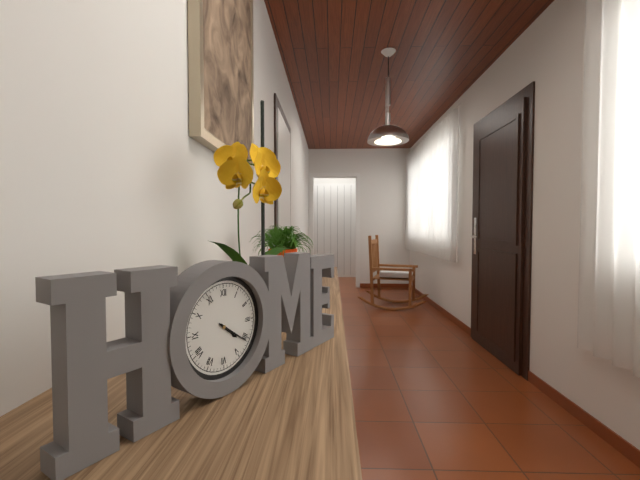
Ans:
4h21
